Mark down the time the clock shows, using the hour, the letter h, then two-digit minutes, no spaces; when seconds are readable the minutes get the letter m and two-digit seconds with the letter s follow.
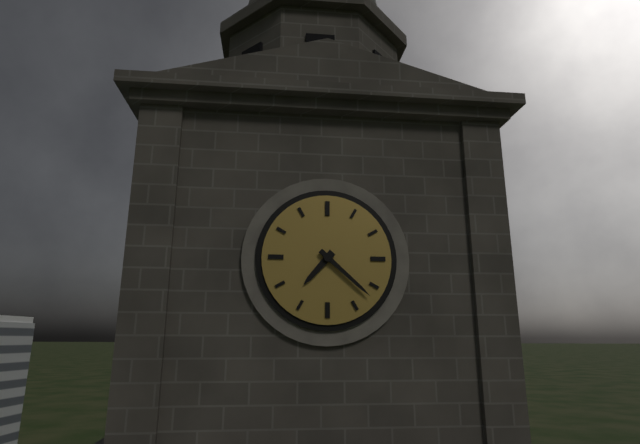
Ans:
7h22
